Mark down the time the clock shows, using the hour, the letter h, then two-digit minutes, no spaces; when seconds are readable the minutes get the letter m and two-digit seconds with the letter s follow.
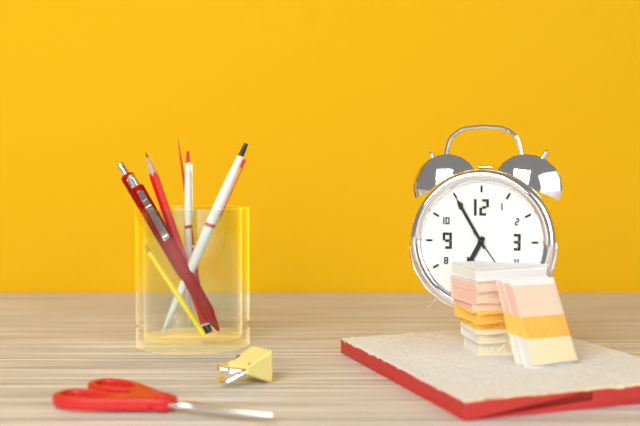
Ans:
6h55
